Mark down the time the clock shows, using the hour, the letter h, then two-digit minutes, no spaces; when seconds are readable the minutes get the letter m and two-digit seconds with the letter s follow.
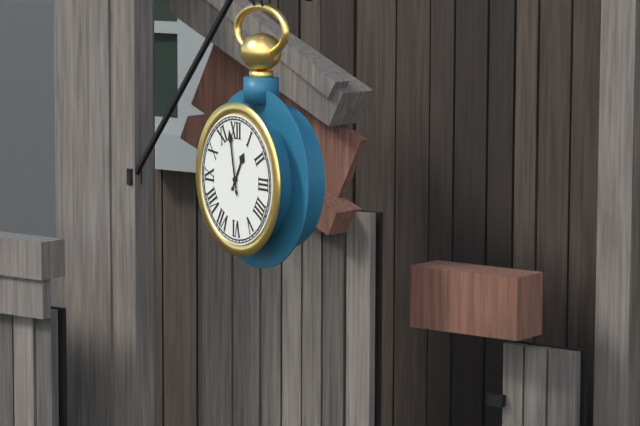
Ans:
12h58
